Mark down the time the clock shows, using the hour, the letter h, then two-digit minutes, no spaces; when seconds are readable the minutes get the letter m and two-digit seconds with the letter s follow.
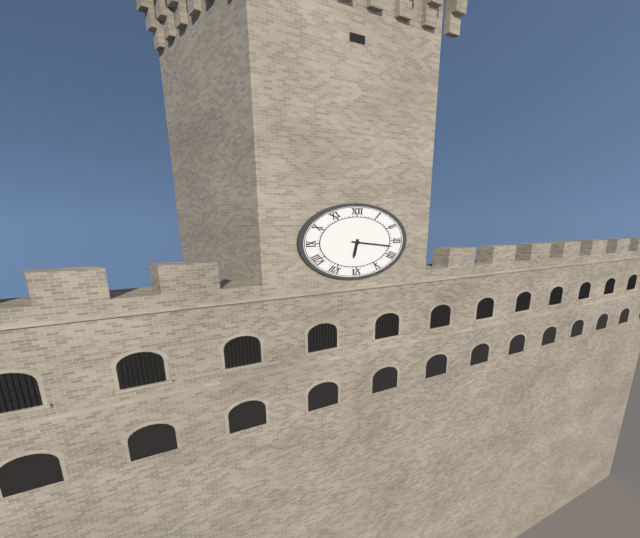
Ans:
6h17
